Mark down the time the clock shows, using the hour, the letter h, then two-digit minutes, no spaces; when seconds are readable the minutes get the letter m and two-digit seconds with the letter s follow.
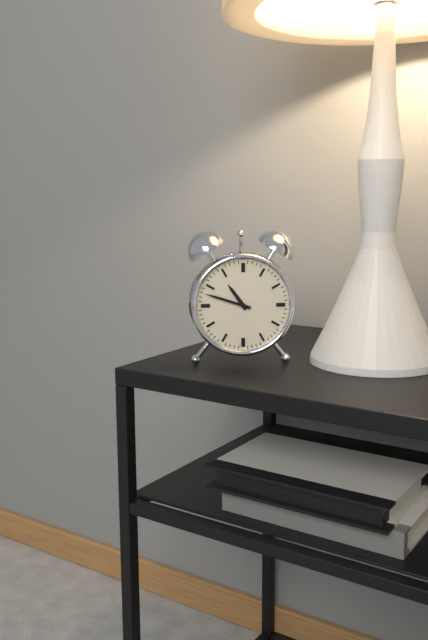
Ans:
10h48
